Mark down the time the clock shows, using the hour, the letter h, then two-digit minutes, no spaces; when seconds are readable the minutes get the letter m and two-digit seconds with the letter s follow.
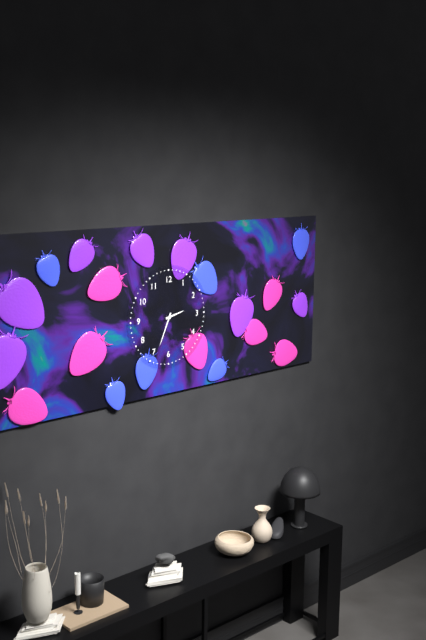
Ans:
2h34
